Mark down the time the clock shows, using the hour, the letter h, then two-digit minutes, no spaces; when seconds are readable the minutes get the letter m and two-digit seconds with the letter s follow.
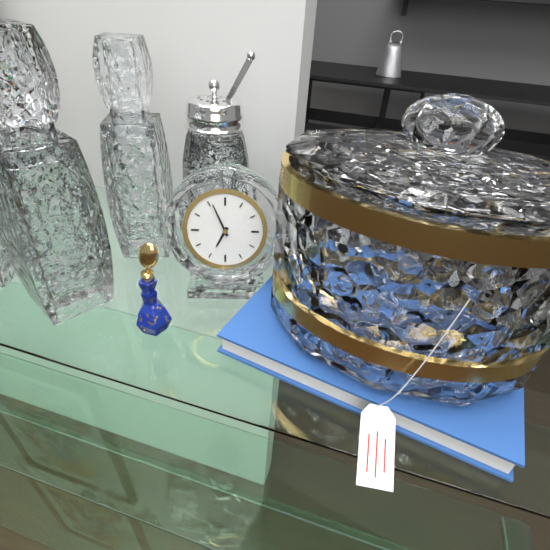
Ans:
6h56
